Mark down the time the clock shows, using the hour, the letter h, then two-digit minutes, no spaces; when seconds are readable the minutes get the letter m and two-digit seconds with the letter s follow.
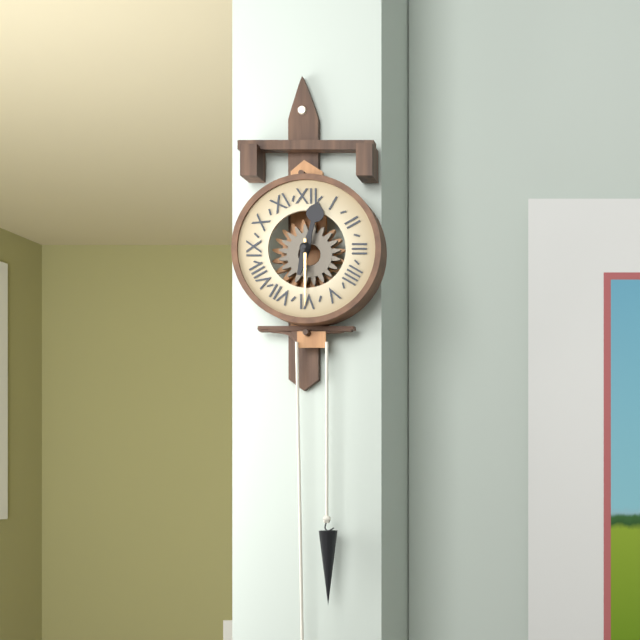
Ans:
12h30
